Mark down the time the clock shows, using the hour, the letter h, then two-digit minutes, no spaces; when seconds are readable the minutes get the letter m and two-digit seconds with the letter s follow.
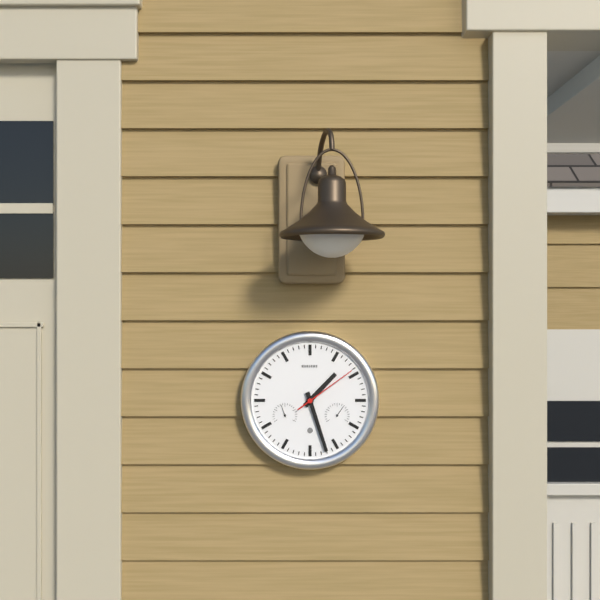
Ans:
1h27m09s
